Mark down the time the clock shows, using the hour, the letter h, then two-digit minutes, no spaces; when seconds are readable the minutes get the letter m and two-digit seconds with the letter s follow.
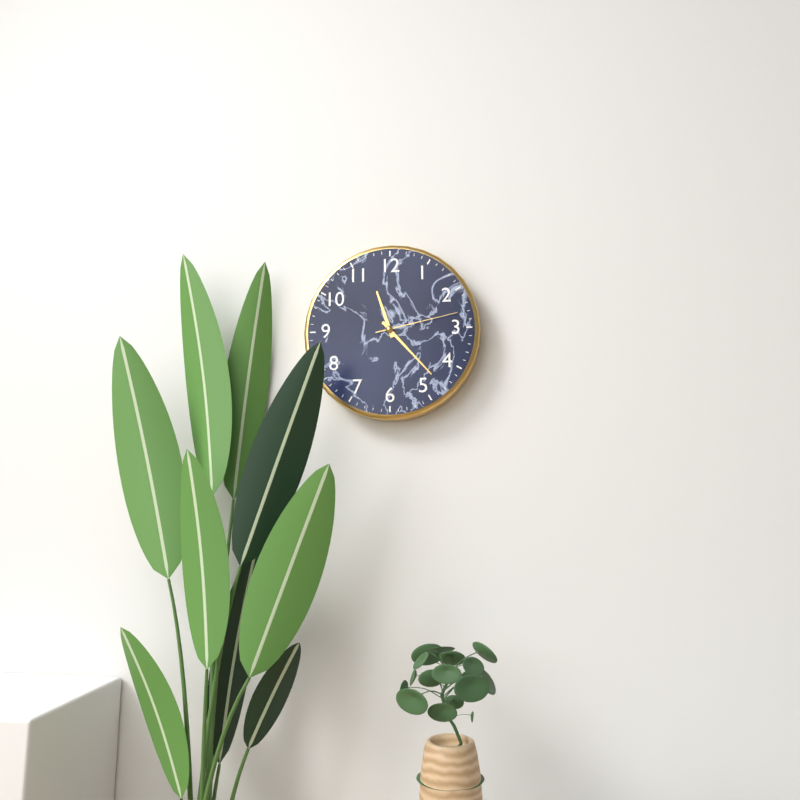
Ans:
11h23m13s
